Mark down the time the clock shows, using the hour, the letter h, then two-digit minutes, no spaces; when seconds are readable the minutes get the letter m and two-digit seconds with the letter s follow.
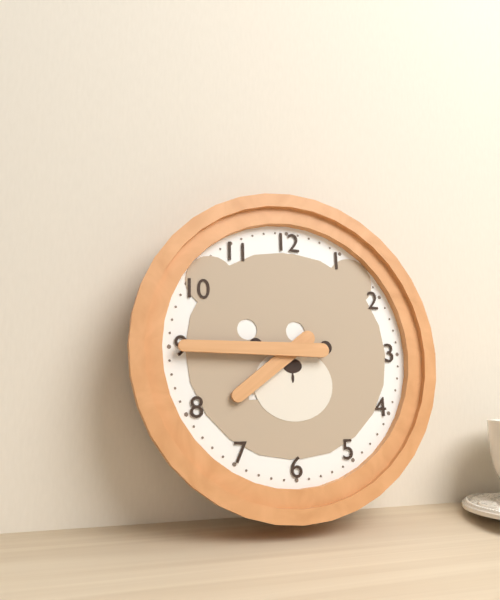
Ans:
7h45
